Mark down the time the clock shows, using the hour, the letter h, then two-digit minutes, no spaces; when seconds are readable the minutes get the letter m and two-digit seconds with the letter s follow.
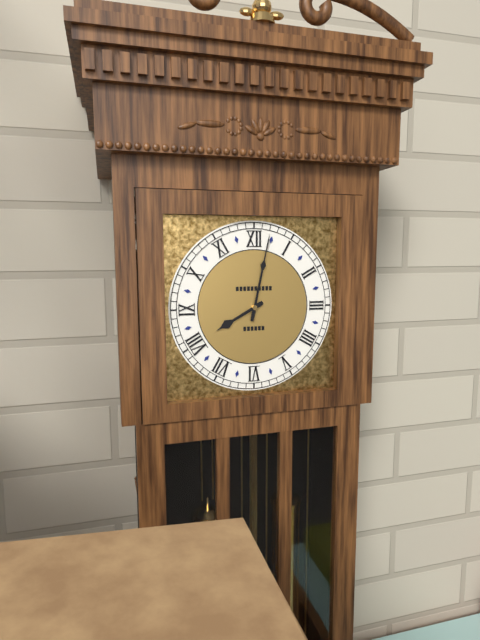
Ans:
8h02
